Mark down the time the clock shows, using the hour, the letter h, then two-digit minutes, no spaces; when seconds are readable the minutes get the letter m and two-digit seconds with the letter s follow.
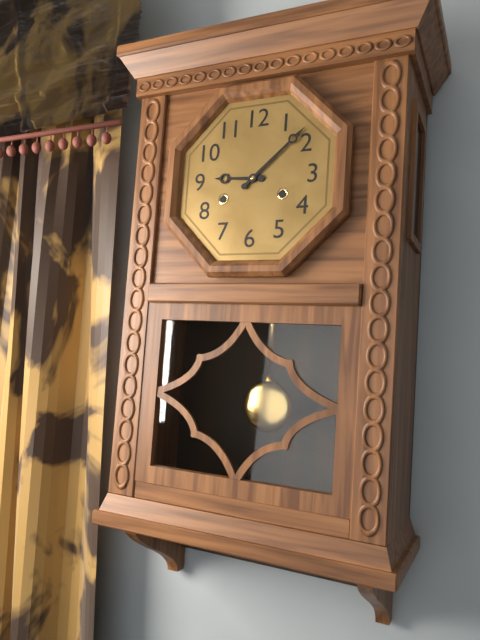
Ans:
9h08
